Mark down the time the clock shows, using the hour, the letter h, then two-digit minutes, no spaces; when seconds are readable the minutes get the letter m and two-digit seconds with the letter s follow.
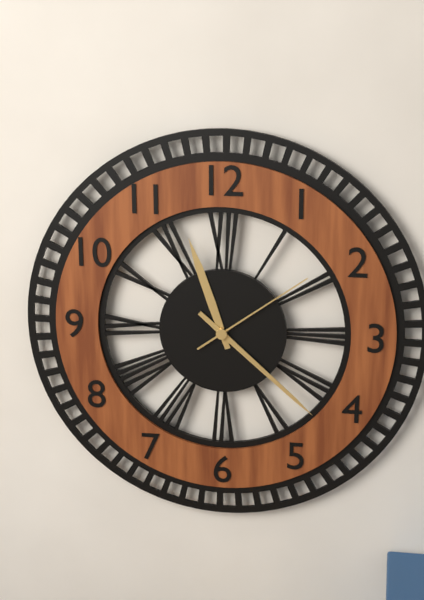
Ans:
11h22m09s
